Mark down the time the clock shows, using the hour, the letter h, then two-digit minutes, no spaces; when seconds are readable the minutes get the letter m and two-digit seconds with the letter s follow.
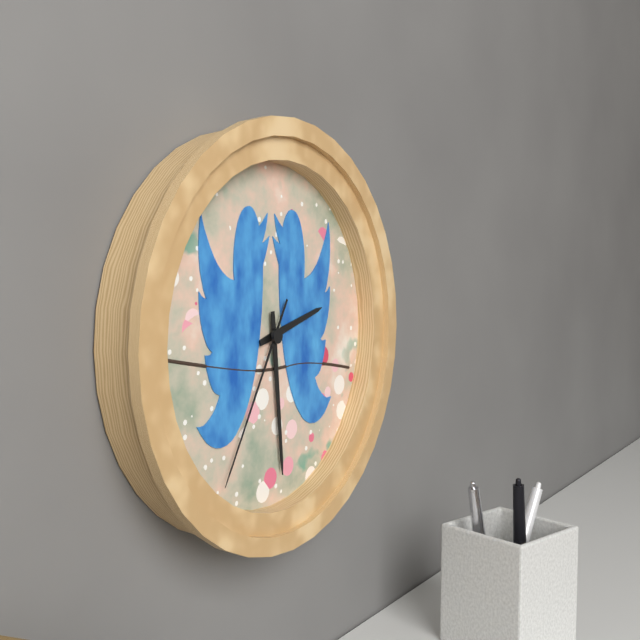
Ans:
2h29m35s
